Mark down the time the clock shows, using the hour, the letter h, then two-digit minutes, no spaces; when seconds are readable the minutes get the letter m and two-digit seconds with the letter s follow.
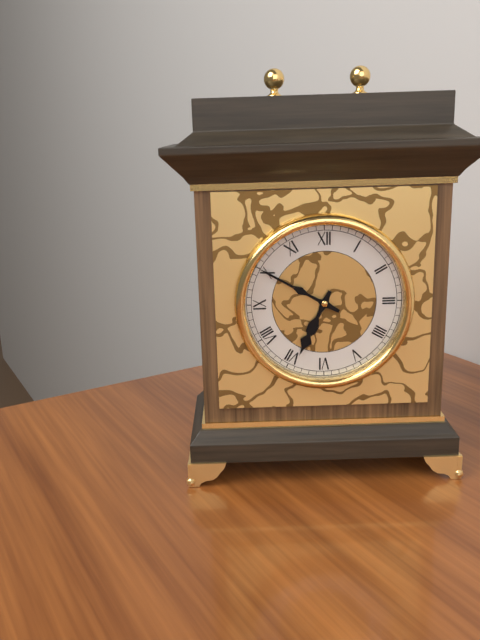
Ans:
6h50
